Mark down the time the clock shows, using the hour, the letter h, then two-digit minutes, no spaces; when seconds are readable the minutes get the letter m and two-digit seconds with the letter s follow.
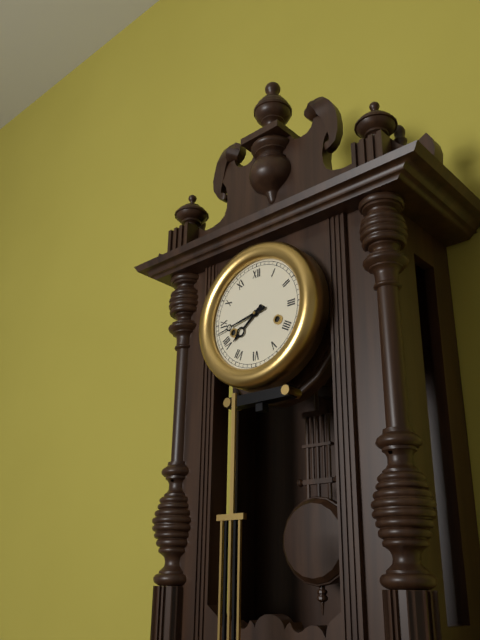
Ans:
7h43
